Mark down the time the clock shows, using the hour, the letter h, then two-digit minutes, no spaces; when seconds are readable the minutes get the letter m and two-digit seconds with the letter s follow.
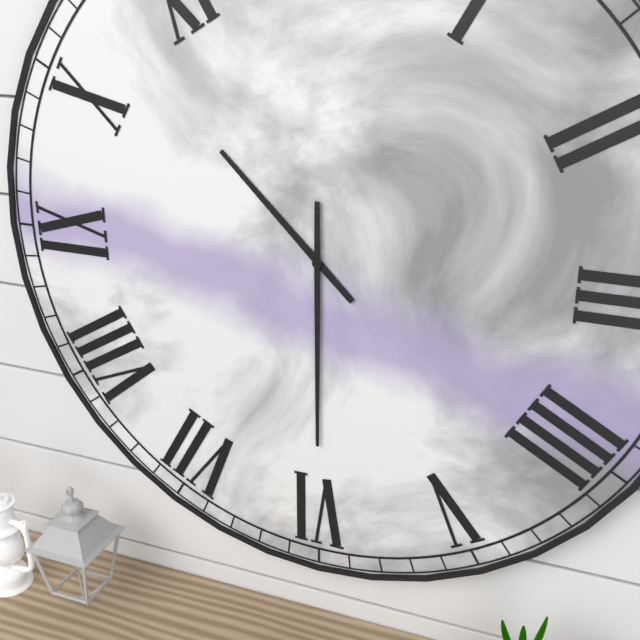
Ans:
10h30
